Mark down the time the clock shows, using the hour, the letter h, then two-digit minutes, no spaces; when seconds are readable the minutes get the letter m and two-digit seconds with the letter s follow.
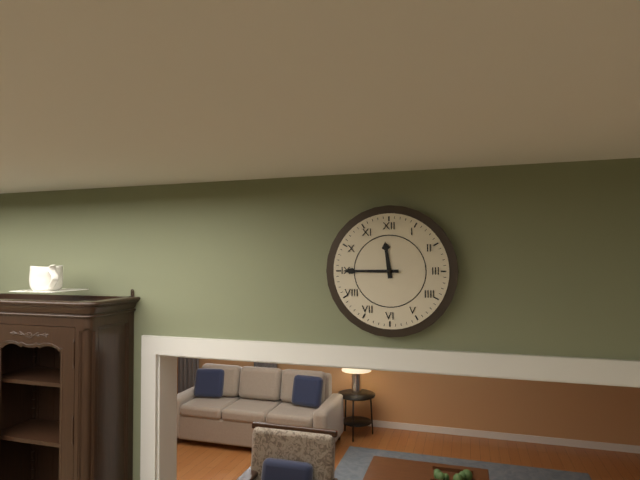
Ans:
11h45
